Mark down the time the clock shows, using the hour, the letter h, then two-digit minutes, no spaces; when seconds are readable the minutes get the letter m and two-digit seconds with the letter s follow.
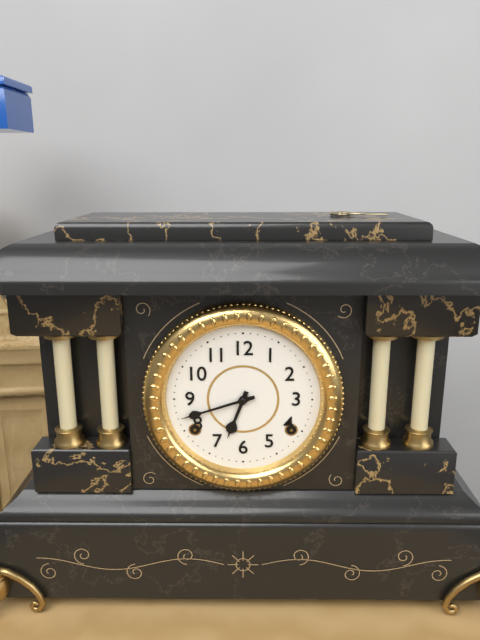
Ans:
6h42
